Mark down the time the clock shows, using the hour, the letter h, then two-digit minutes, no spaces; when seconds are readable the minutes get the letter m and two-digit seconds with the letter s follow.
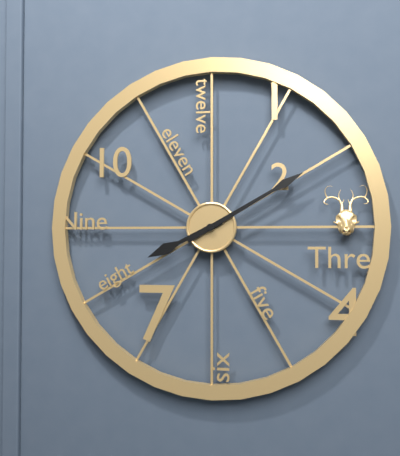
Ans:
8h10
